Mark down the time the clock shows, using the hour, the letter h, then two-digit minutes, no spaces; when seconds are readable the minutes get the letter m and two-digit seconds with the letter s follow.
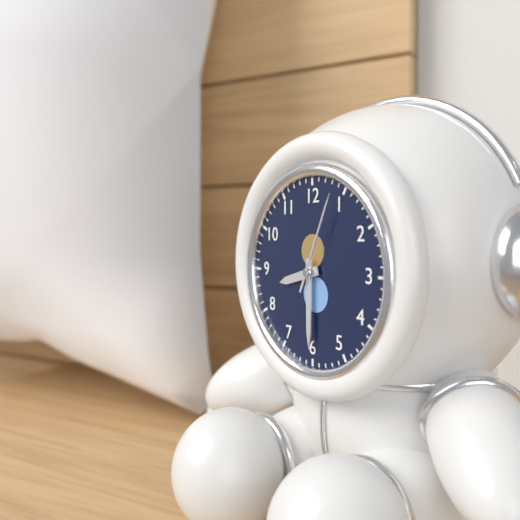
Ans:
8h30m04s
